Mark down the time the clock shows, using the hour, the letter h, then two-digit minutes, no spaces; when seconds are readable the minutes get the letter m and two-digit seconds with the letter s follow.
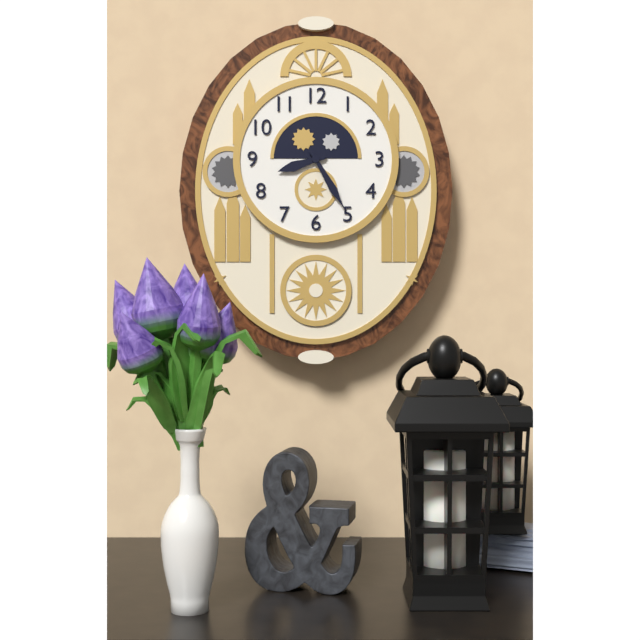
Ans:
8h25
